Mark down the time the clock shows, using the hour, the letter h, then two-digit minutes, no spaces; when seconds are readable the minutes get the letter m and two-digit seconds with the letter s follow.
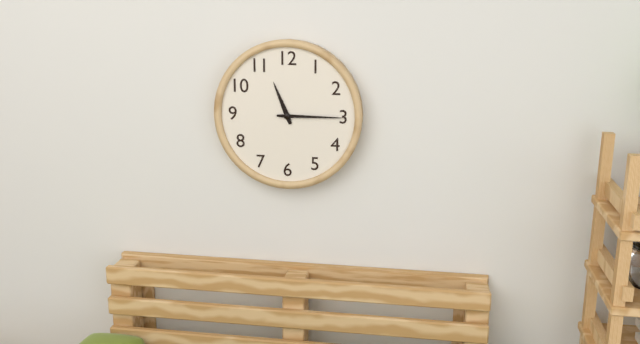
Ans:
11h15
